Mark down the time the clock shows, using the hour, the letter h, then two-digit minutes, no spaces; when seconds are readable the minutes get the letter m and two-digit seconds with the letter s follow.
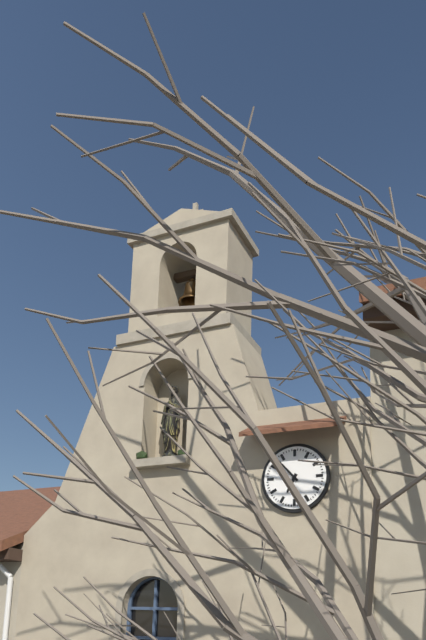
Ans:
6h53
